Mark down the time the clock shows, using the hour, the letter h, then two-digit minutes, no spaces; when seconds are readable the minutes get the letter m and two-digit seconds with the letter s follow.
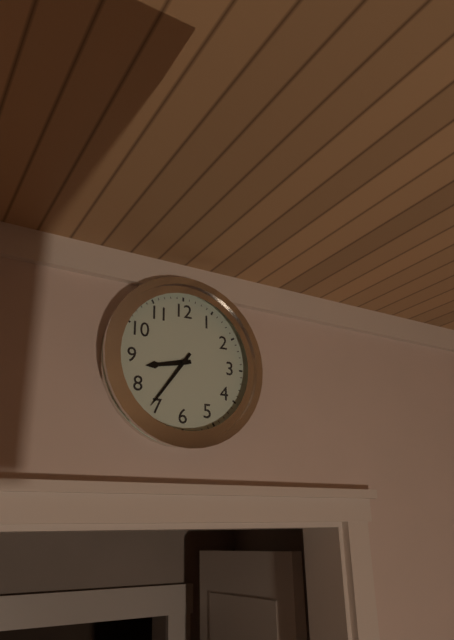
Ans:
8h36
